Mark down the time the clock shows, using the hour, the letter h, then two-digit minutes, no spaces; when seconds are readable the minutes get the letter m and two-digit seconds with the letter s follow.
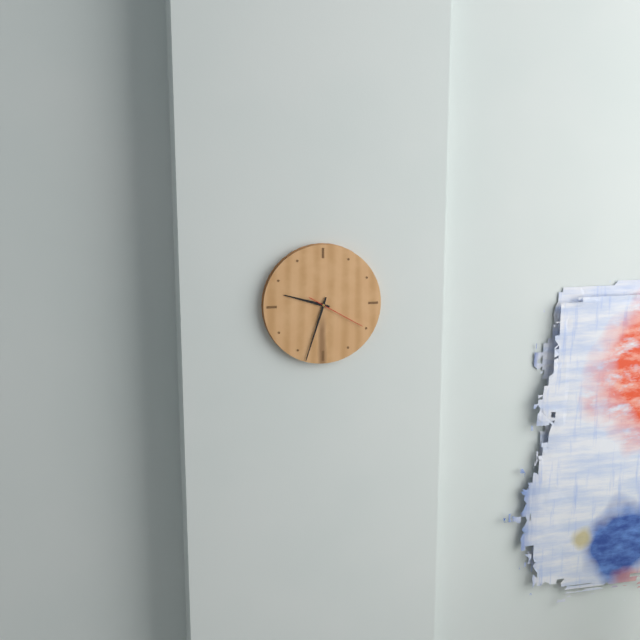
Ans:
9h33m20s
